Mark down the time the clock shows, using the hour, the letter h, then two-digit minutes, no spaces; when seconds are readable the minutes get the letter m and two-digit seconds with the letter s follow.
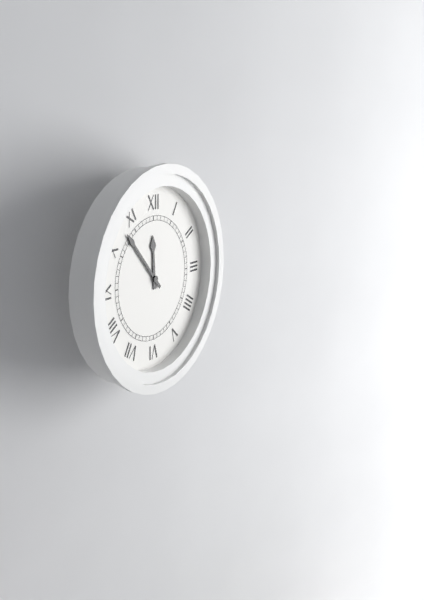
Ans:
11h53
